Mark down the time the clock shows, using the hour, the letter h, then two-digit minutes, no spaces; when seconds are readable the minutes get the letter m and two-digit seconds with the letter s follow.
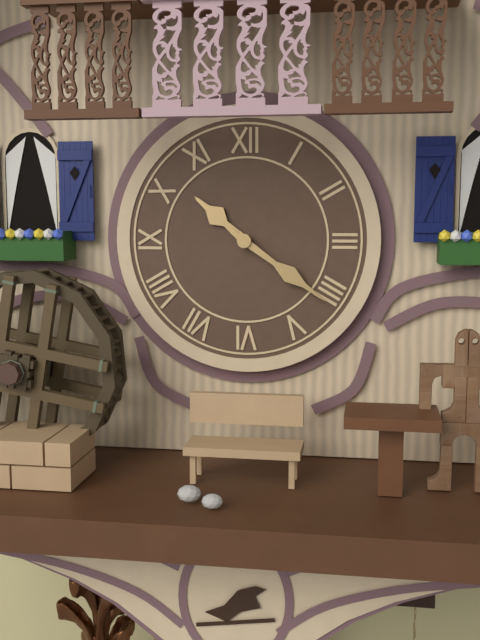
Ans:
10h21
